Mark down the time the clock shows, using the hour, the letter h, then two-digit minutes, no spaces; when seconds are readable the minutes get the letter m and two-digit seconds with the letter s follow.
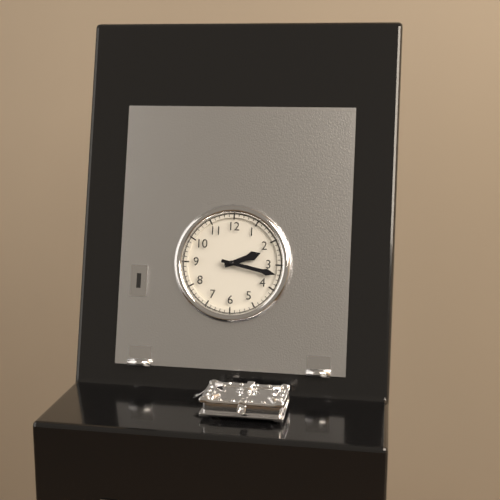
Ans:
2h17
